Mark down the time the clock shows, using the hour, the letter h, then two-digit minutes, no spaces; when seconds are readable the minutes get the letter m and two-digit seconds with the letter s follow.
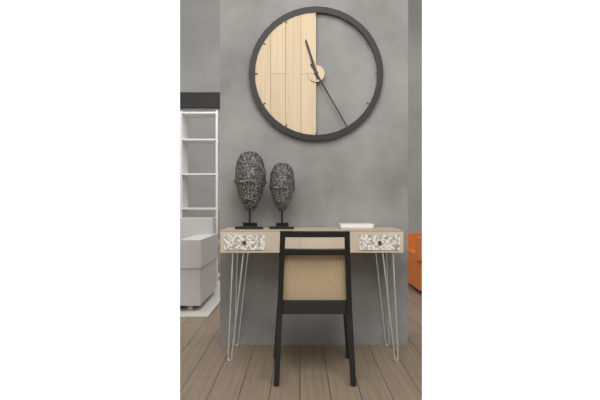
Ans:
11h25
